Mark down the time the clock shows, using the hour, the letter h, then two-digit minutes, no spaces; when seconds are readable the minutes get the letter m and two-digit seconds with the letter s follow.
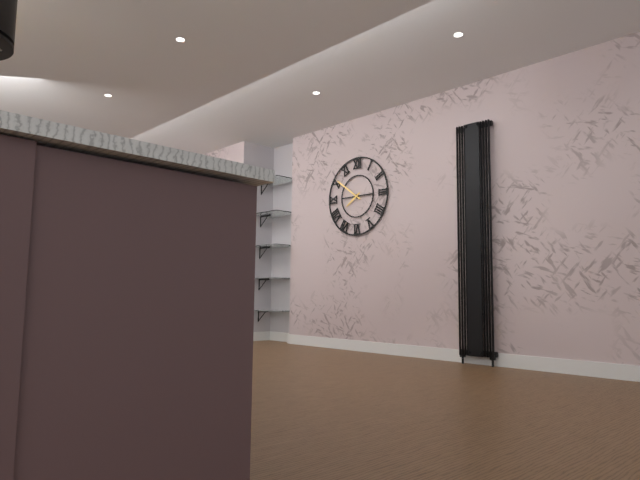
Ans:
7h51
